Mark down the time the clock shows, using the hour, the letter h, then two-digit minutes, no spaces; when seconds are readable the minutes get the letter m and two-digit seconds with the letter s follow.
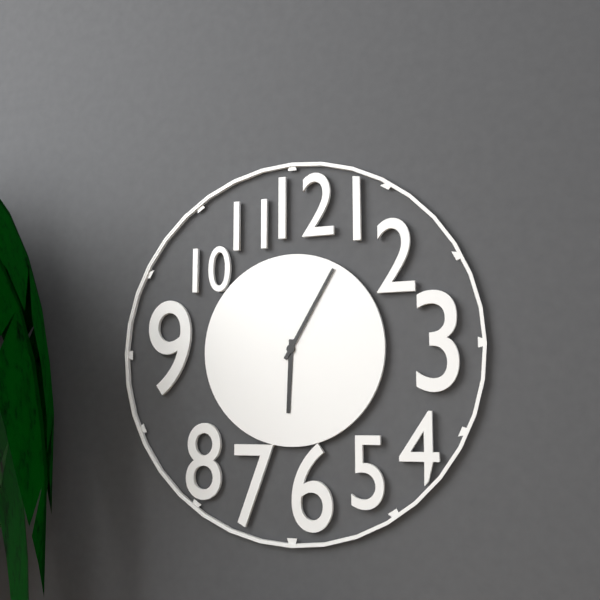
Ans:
6h05
